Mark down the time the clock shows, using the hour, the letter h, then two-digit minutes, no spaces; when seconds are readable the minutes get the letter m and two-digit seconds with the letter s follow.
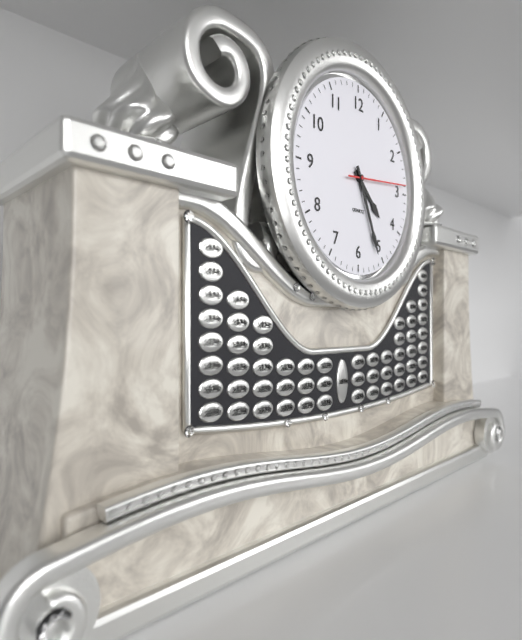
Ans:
4h26m14s
